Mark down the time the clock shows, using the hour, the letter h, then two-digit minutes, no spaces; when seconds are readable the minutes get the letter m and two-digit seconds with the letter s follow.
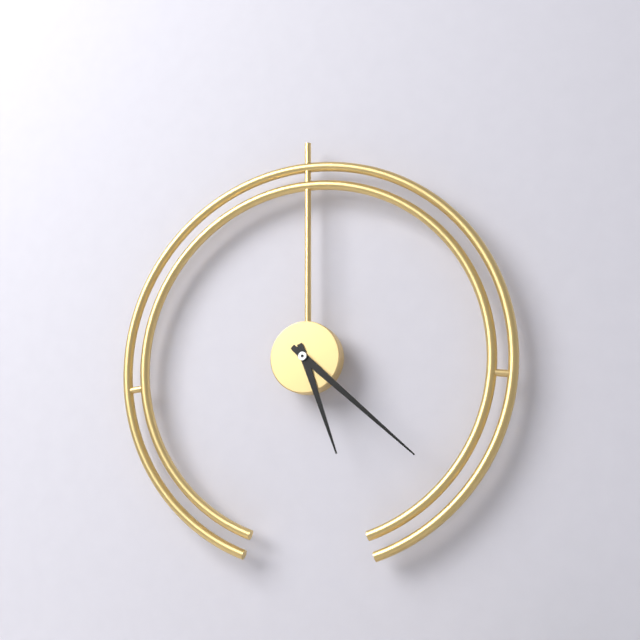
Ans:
5h22
